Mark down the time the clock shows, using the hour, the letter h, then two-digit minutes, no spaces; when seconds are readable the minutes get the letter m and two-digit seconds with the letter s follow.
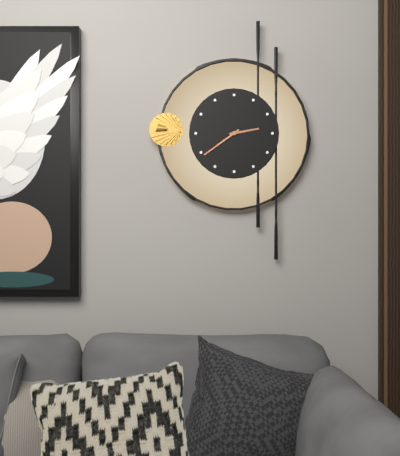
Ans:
2h39
